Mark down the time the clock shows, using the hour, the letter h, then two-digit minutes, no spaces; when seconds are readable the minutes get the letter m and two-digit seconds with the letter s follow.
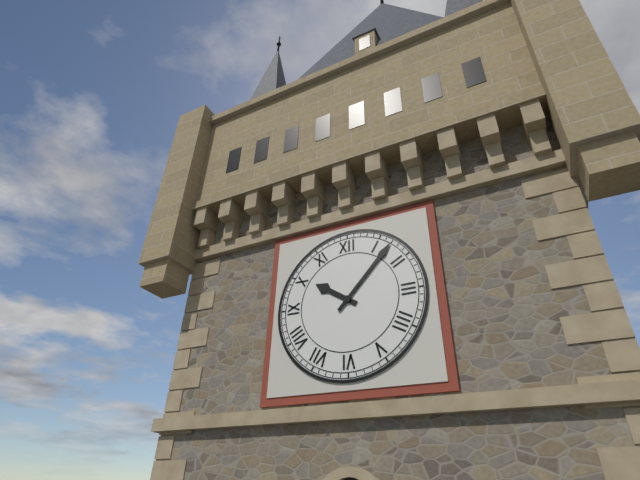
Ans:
10h07
